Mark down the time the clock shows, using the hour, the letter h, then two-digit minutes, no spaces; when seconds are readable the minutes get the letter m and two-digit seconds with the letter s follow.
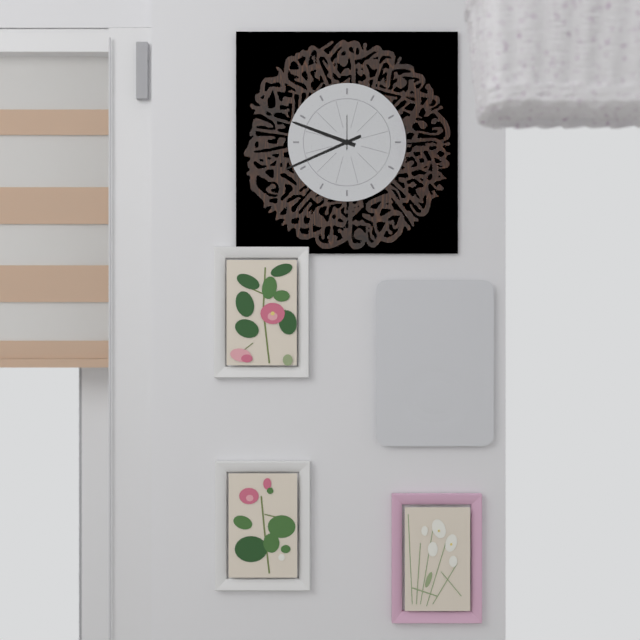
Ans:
9h41
